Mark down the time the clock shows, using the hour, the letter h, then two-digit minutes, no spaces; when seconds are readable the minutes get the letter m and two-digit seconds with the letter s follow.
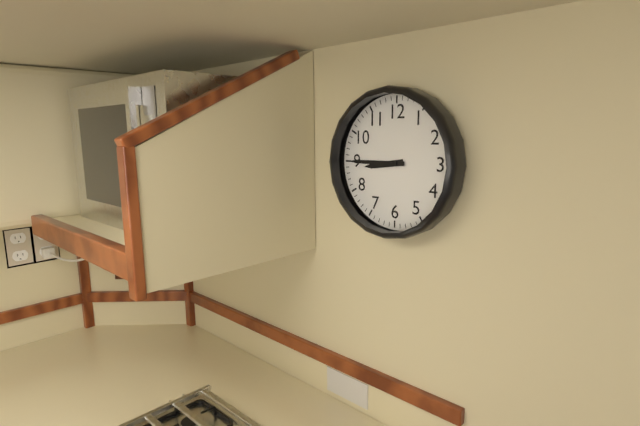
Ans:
8h45
